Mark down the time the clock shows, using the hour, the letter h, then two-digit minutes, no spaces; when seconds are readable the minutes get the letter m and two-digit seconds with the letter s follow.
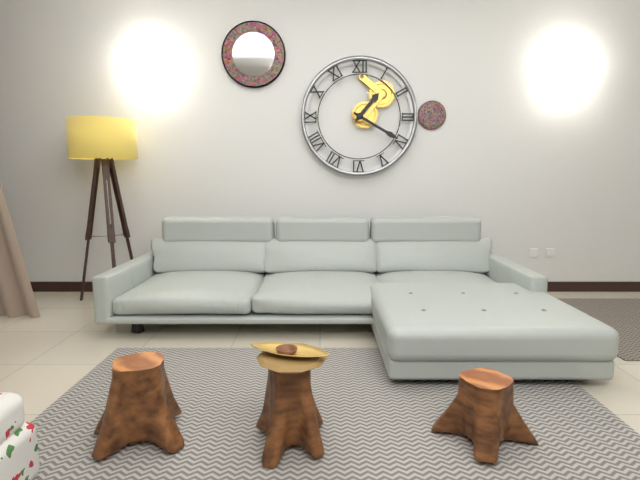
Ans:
1h20
